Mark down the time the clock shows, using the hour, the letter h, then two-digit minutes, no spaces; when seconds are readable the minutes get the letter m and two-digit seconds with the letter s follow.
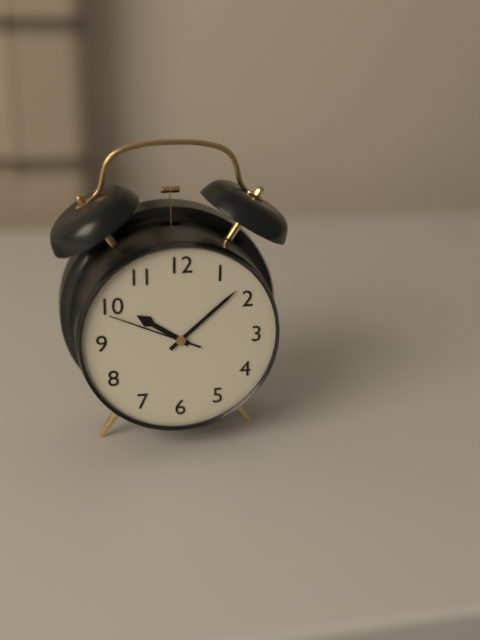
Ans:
10h08m49s
